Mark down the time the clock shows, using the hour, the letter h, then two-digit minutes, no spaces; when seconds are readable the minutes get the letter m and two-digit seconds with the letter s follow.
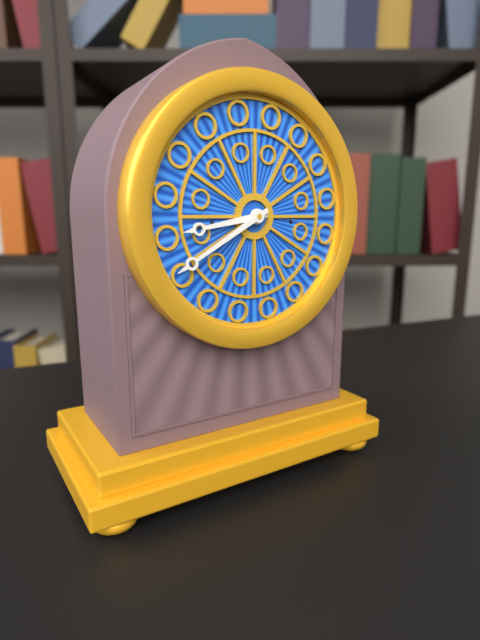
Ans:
8h40
